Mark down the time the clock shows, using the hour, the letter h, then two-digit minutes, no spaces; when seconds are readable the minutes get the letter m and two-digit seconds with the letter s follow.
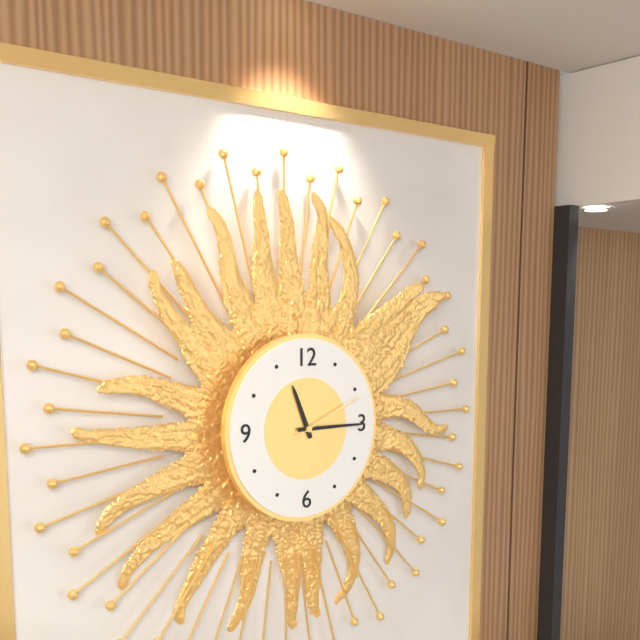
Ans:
11h15m11s
